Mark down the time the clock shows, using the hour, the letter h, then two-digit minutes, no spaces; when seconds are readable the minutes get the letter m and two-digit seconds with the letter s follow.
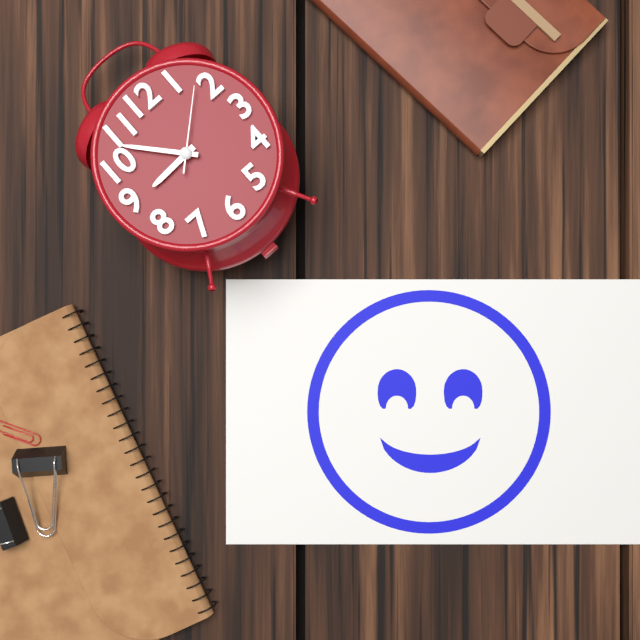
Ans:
8h53m08s
